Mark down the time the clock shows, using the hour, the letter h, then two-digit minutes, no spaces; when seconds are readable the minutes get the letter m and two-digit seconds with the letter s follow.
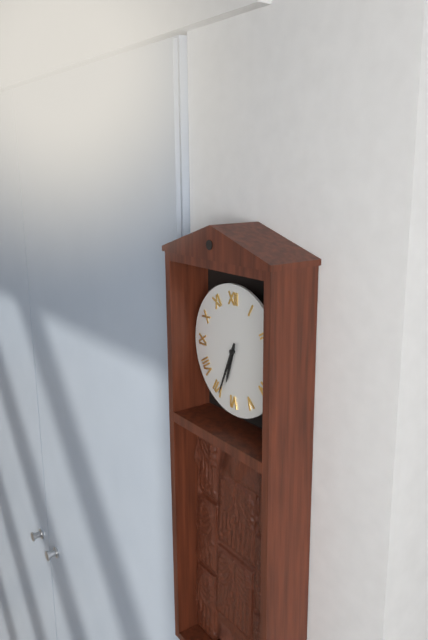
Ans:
6h34
